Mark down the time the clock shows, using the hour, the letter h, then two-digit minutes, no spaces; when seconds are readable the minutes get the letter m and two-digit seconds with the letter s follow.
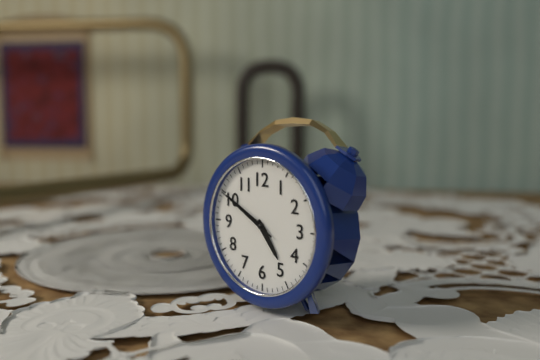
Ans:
4h50m50s
